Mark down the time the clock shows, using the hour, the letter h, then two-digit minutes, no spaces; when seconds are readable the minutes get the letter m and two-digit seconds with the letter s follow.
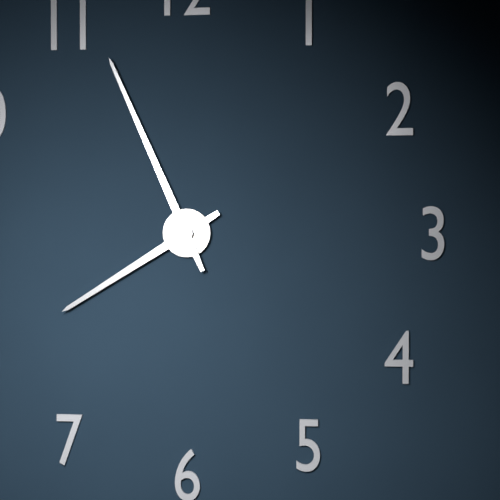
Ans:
7h56
